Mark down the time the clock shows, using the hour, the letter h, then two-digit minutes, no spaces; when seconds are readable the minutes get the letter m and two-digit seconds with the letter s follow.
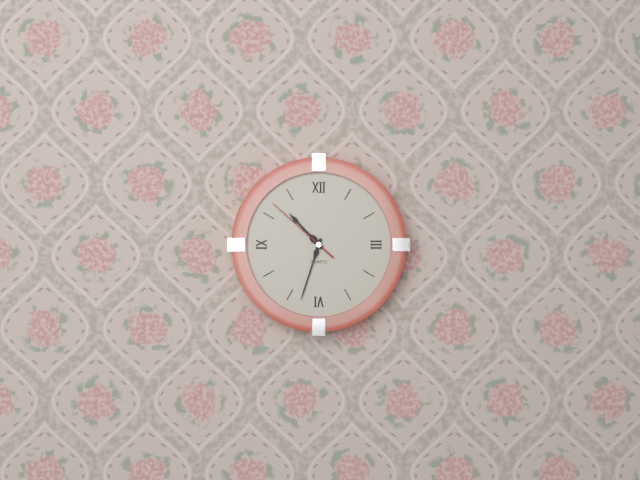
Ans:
10h33m52s
